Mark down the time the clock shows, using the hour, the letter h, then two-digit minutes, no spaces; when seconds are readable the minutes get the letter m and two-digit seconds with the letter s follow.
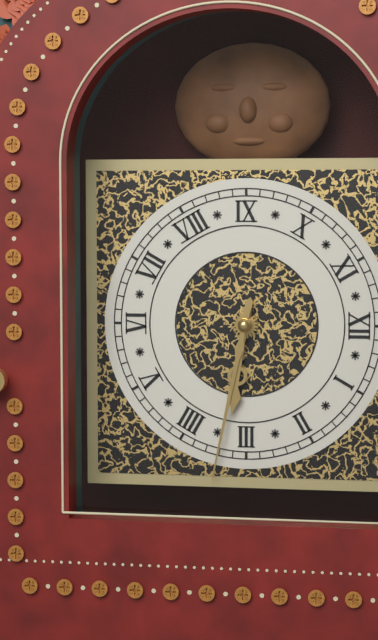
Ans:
3h17
